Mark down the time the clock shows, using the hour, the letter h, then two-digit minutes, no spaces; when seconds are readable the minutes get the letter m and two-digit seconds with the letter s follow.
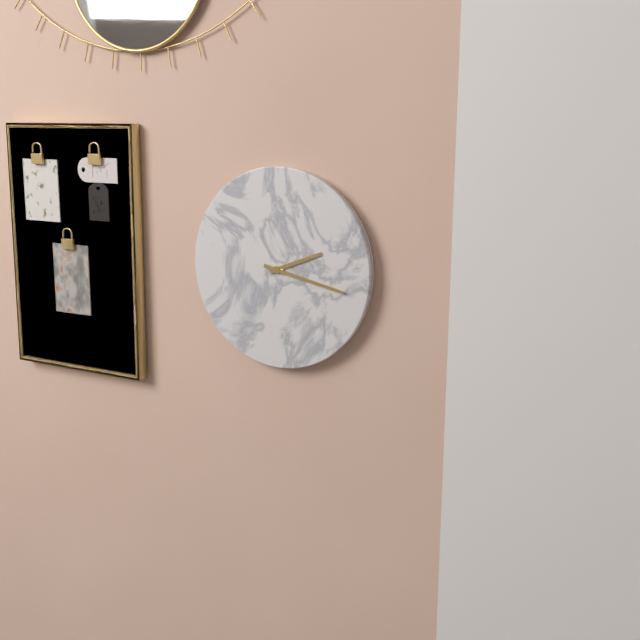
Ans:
2h17
